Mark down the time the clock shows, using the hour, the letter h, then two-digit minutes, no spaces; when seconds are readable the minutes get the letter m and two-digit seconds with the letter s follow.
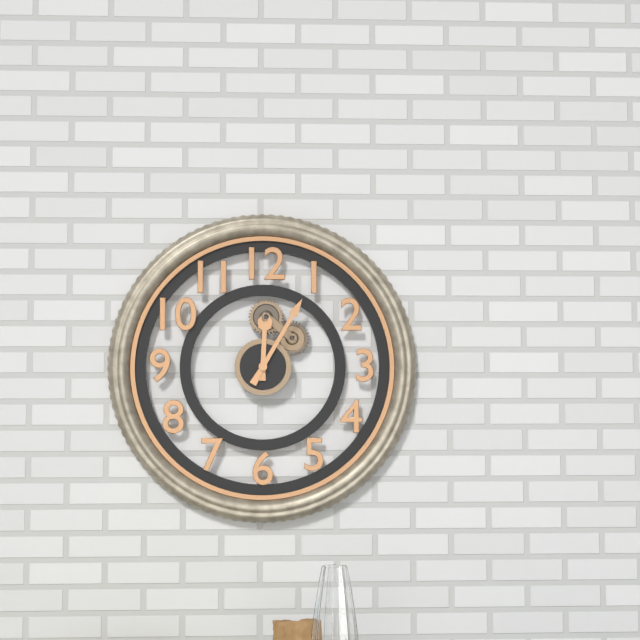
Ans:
12h05
